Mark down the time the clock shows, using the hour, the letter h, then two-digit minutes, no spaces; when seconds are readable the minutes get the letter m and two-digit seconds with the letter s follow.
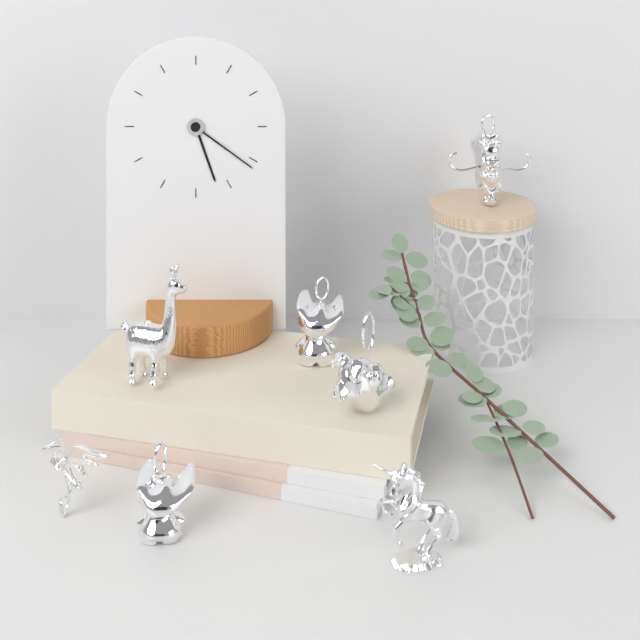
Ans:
5h21
